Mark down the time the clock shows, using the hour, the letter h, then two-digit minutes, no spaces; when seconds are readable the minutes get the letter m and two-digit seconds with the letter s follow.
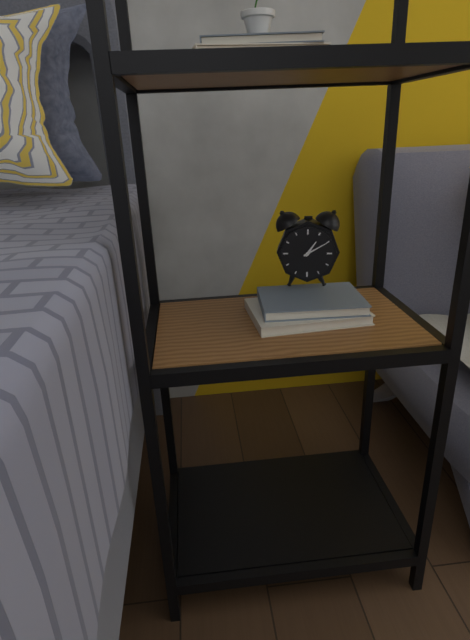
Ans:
1h10
